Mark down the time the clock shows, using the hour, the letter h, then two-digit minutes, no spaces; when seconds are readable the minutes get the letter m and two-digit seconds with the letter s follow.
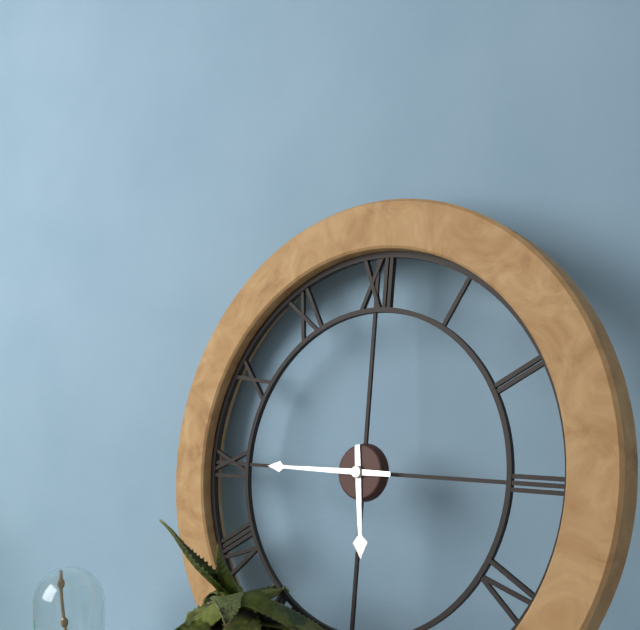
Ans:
5h45
